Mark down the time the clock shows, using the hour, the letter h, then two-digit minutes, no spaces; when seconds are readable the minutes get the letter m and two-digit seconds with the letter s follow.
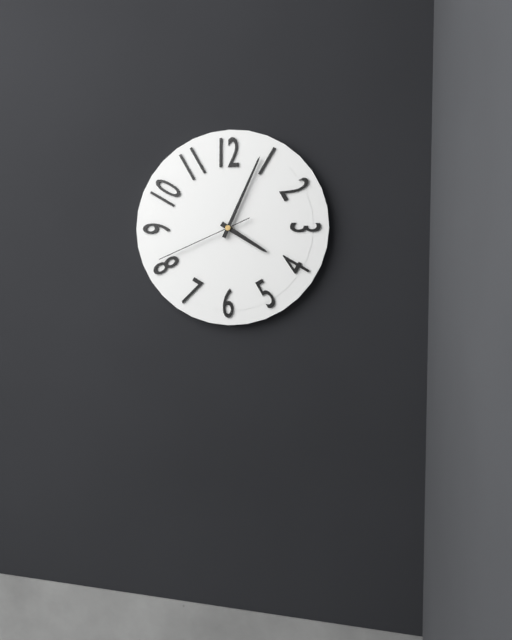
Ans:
4h04m41s
